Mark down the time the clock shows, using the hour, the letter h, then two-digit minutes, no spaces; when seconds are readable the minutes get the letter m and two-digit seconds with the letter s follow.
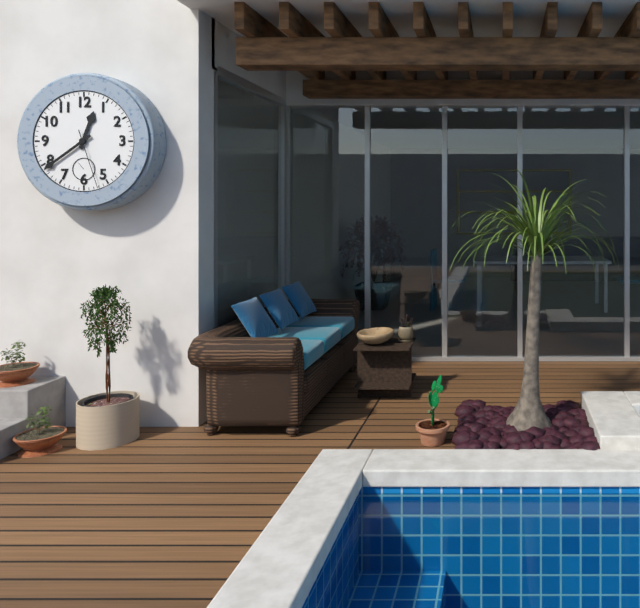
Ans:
12h39m27s
